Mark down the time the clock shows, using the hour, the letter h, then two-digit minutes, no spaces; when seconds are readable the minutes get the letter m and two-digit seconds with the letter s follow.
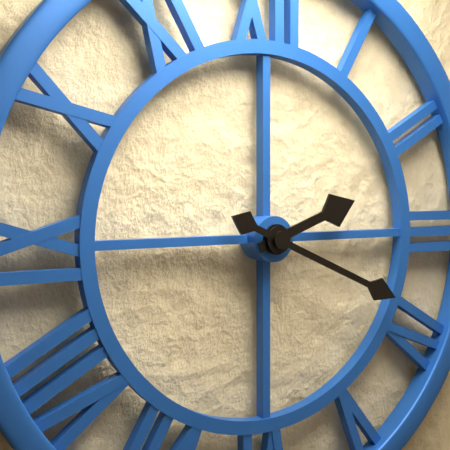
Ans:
2h19
